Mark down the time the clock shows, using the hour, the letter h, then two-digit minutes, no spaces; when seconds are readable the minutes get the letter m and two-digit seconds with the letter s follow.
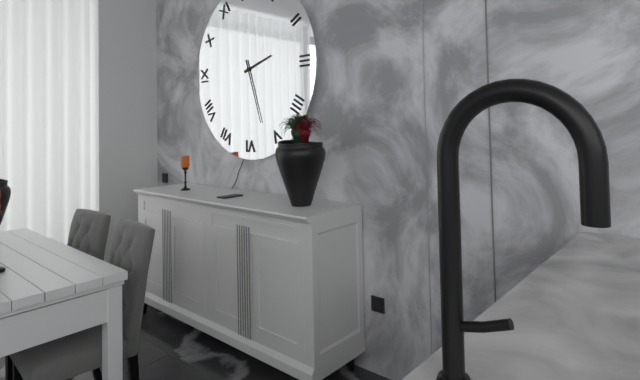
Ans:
2h27
